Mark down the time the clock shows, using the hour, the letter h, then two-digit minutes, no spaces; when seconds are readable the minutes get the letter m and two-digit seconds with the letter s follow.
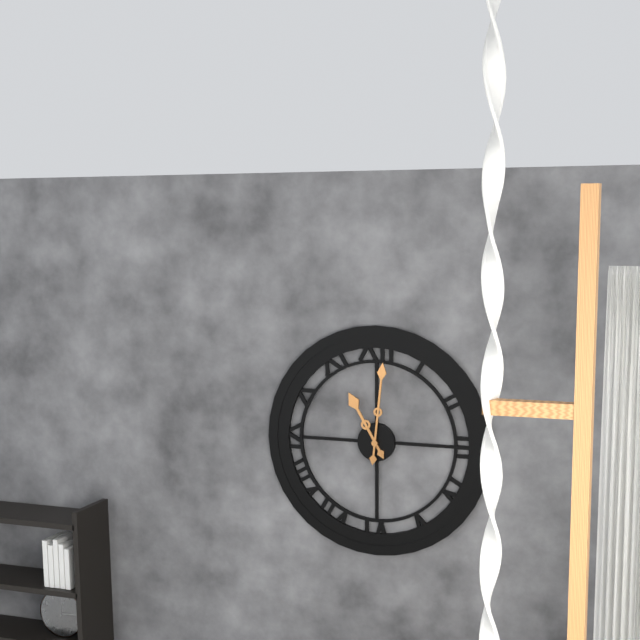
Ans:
11h01
